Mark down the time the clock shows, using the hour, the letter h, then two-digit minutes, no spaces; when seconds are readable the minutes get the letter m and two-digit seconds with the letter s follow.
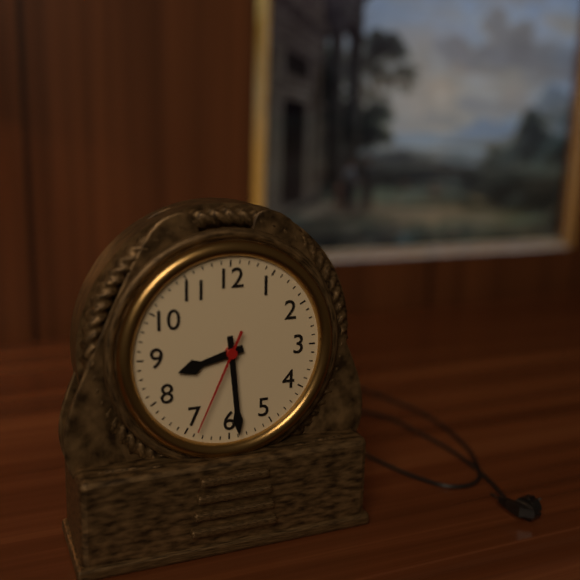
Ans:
8h29m34s
